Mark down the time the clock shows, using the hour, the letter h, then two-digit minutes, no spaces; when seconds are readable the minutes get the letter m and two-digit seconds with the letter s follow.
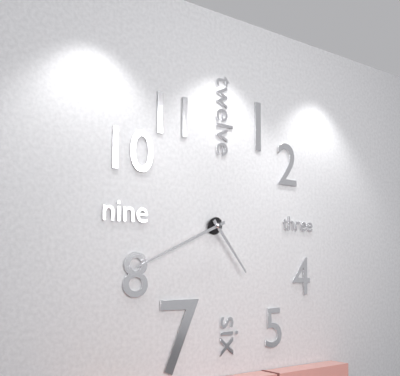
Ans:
4h41
